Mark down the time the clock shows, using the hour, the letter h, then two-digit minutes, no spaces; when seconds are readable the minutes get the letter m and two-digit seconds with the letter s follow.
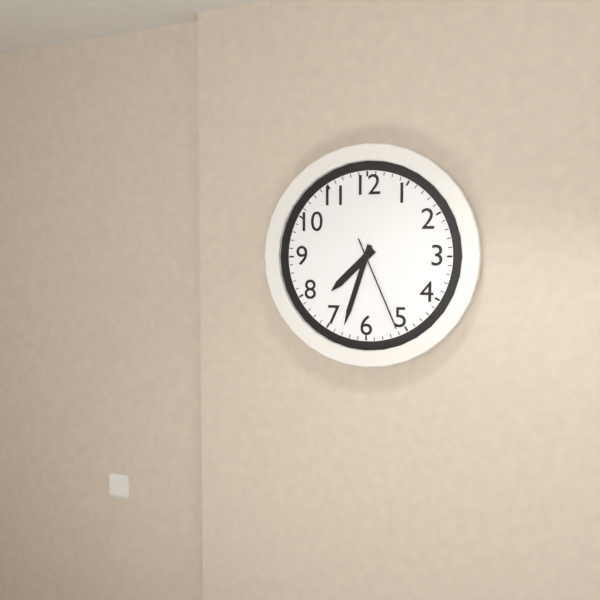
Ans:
7h33m26s
